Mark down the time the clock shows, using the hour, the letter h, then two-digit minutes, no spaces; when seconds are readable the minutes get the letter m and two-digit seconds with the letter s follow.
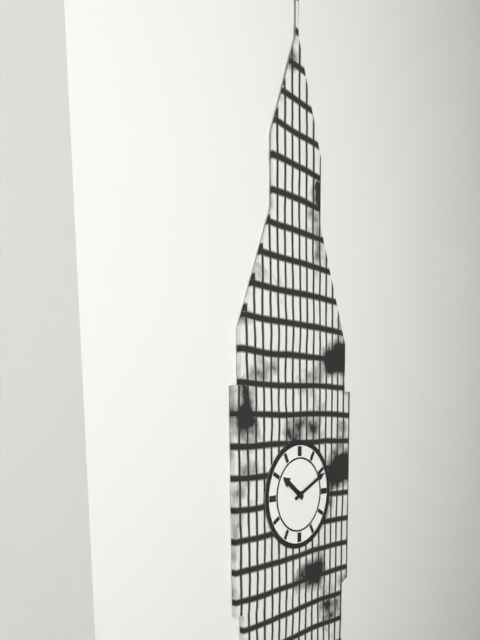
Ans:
10h11
